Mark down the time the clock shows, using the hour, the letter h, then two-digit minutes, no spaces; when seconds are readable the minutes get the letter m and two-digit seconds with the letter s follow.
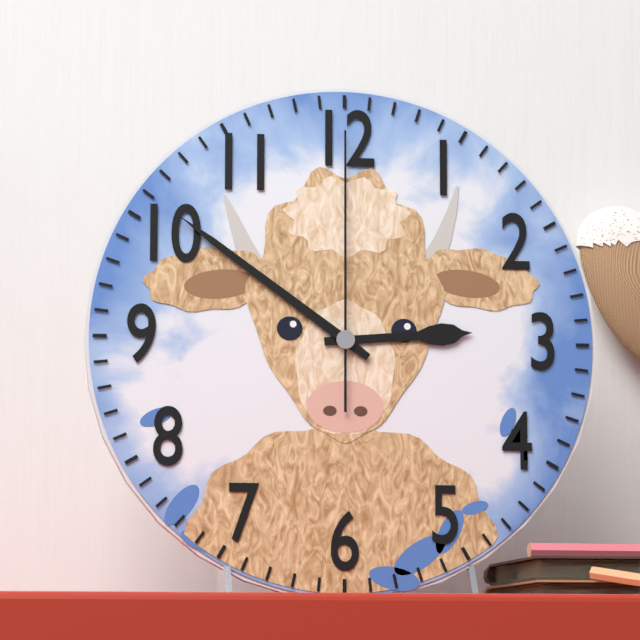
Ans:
2h51m00s
